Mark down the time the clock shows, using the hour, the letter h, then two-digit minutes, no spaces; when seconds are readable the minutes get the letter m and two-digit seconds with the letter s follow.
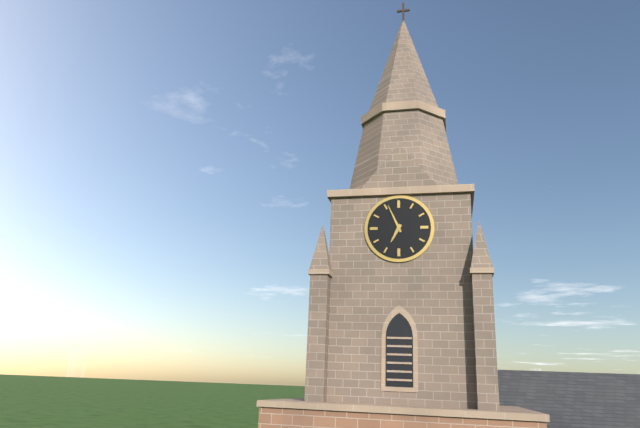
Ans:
6h56
